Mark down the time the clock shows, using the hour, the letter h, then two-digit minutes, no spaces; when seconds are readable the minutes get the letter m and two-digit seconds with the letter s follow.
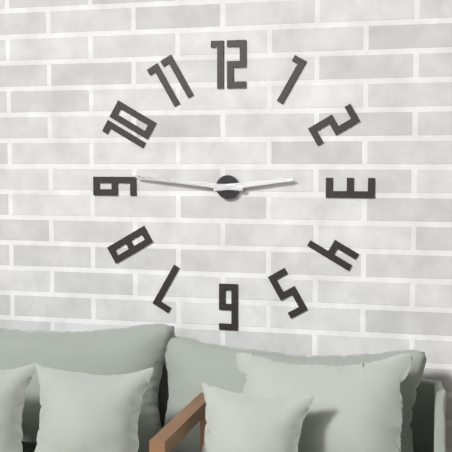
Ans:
2h46
